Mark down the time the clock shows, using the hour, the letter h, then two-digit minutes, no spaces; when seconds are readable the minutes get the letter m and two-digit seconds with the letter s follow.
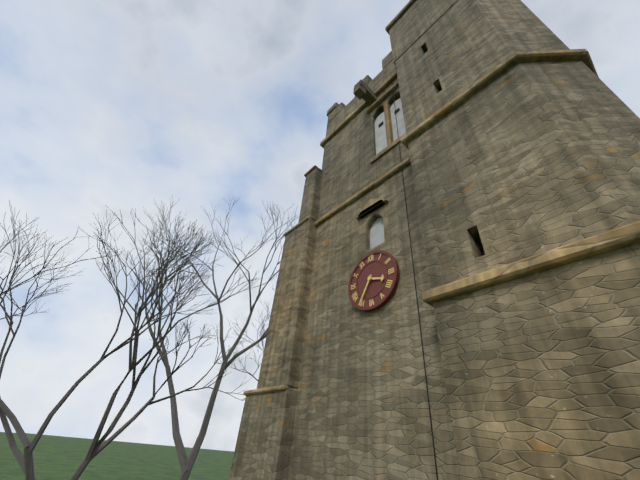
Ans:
3h35
